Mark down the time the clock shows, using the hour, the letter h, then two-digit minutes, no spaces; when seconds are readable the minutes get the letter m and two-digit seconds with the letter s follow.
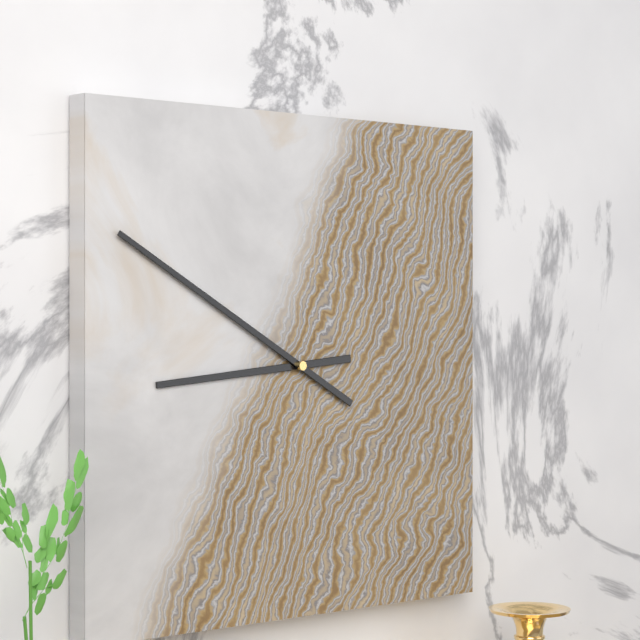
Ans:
8h50
